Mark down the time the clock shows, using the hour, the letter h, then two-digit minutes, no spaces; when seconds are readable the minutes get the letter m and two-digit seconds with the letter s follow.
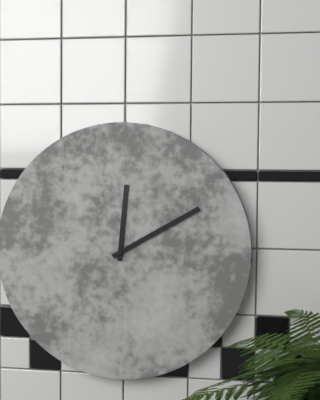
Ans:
12h10
